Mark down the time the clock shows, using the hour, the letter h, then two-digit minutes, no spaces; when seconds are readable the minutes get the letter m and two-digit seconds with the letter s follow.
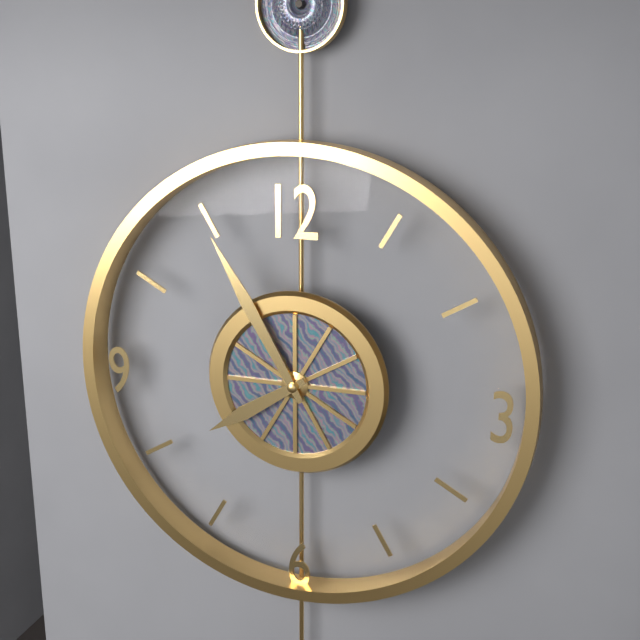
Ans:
7h55
